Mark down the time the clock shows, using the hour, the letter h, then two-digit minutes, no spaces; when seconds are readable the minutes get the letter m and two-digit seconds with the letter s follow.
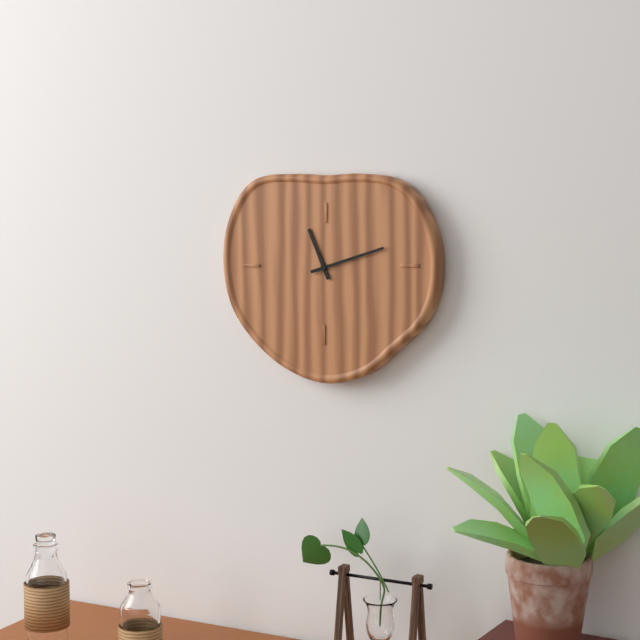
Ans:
11h12
